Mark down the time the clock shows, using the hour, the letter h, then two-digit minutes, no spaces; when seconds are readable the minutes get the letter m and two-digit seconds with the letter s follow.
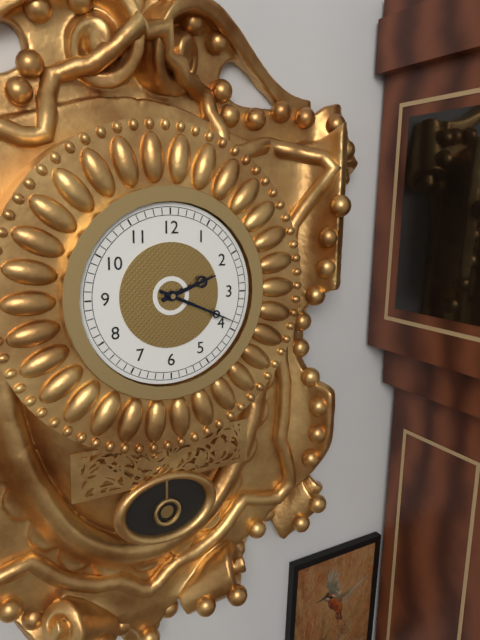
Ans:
2h19
